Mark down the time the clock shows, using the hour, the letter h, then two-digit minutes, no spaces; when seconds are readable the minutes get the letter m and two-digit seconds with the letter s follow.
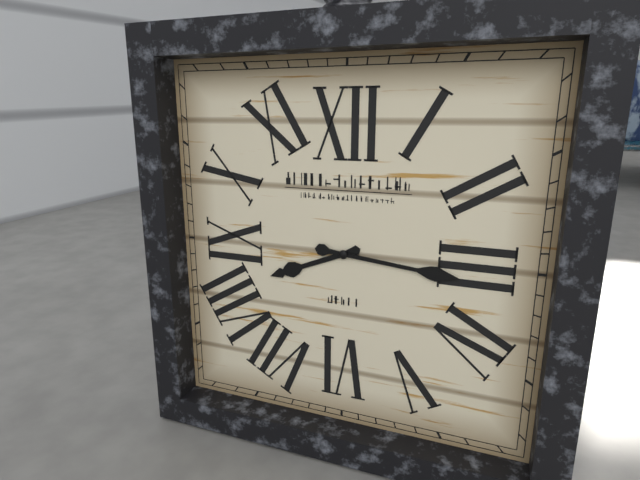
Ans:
8h16
